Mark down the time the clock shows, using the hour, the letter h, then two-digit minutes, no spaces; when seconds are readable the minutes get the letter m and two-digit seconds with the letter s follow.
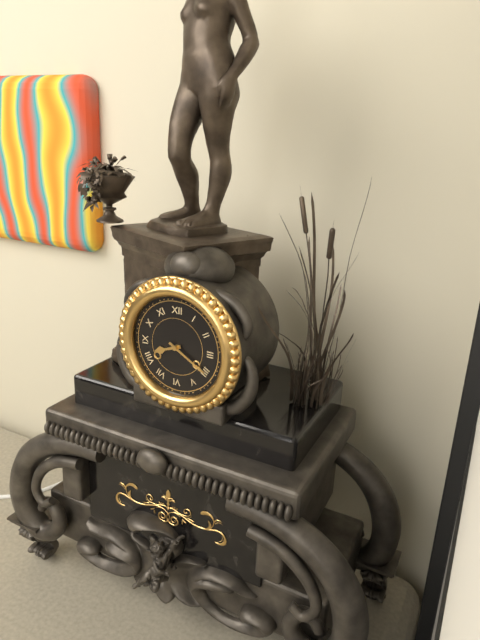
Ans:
8h20
